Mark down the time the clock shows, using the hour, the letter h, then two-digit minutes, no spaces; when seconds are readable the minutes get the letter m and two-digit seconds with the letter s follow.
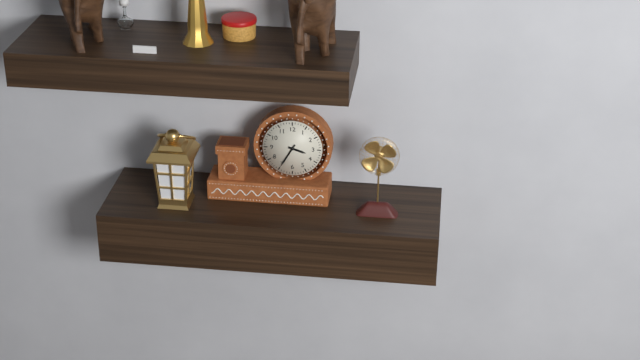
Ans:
3h35
